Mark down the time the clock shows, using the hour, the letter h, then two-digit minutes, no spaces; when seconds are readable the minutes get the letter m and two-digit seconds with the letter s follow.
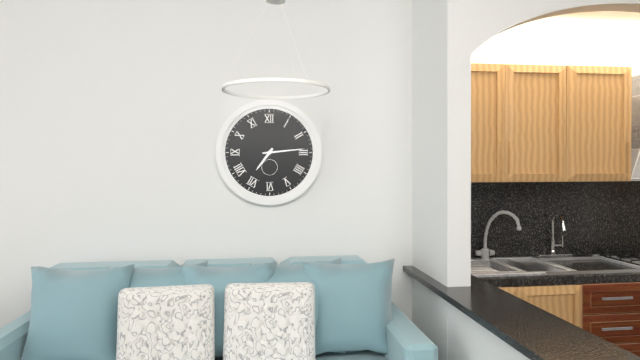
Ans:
7h14
